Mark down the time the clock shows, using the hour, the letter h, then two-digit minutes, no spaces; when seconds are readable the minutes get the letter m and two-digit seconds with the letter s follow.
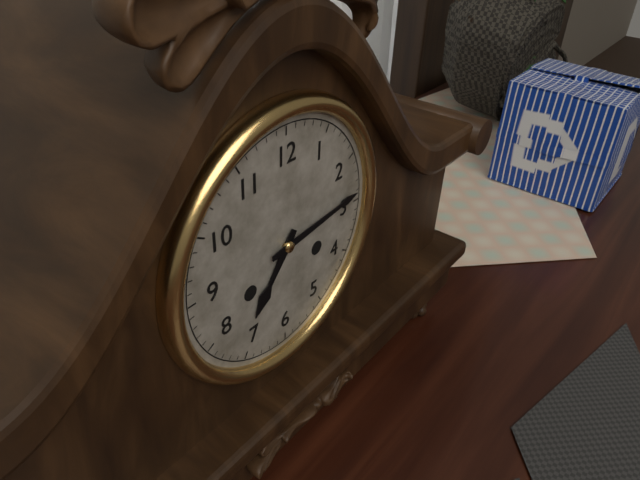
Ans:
7h14
